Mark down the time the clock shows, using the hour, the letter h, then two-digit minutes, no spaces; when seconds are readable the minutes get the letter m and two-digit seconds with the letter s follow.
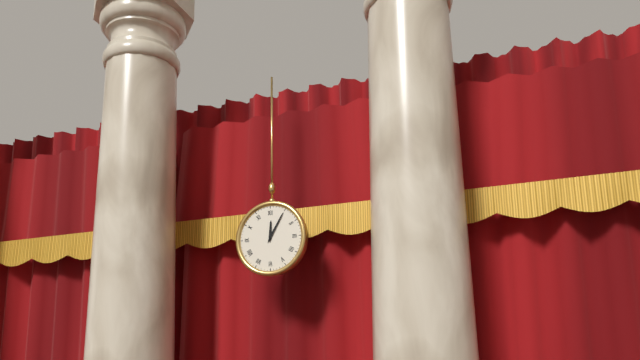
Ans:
12h05
